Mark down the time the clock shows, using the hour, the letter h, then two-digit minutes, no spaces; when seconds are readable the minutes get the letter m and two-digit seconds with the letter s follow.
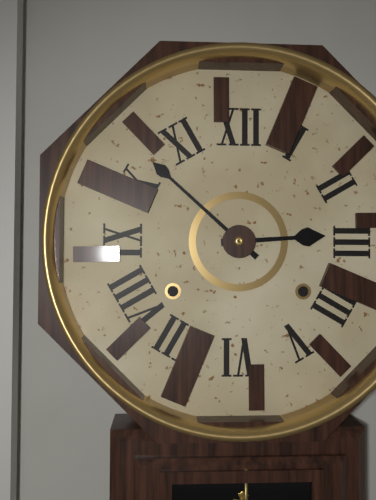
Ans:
2h52
